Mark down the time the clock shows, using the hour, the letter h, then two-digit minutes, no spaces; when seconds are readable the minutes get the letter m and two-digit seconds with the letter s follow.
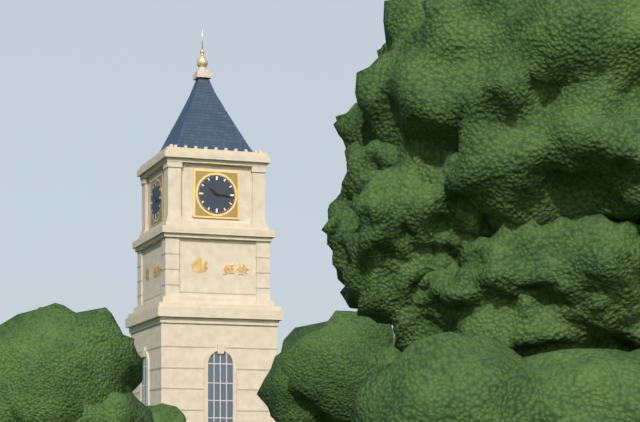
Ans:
10h16
